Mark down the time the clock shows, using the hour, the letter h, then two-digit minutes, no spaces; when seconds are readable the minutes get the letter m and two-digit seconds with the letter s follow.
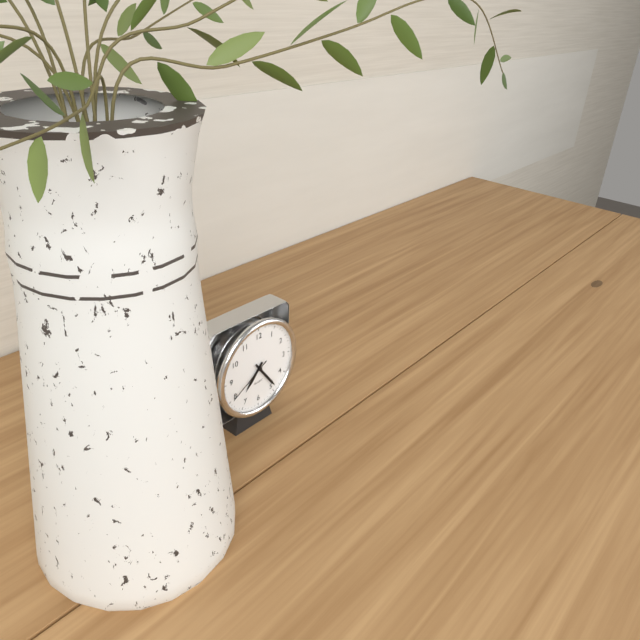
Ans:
7h24m40s
